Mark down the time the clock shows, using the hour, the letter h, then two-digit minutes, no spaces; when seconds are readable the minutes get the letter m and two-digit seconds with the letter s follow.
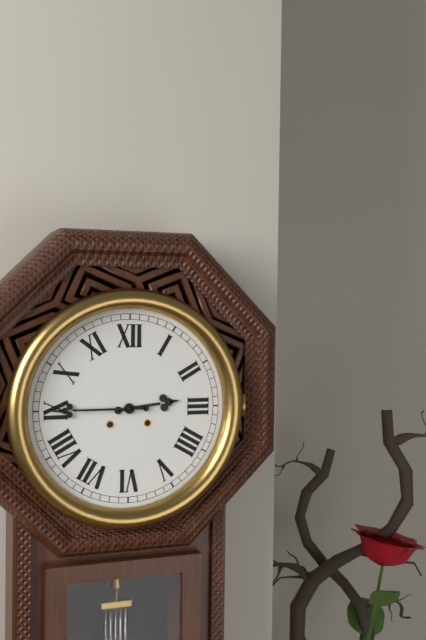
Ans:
2h45
